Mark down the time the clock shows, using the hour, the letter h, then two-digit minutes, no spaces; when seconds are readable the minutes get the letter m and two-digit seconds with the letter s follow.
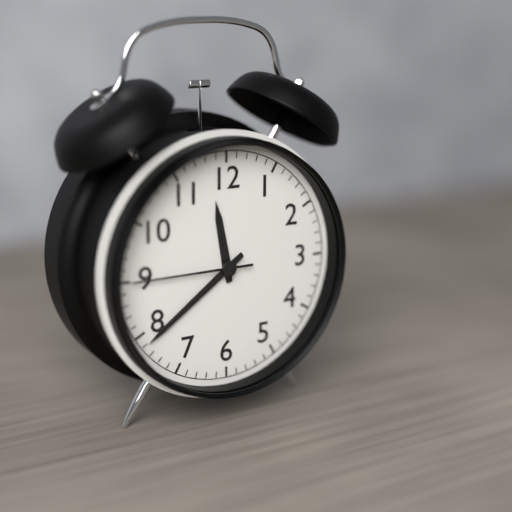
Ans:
11h39m45s
